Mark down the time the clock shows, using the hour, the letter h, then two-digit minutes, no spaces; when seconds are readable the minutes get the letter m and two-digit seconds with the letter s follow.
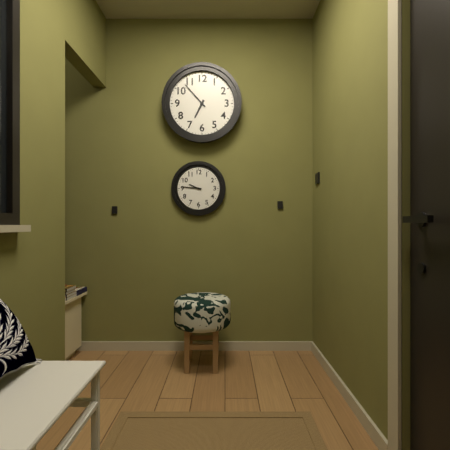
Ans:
6h53
